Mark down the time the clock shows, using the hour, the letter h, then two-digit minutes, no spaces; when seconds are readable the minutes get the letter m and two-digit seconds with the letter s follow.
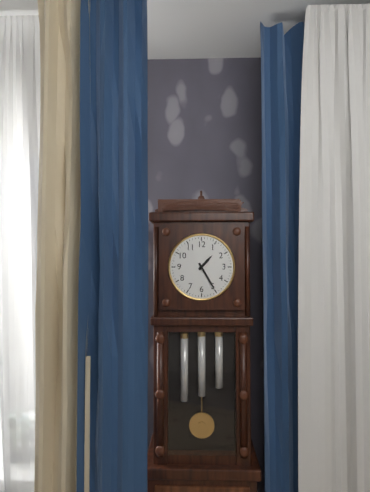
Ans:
1h25
